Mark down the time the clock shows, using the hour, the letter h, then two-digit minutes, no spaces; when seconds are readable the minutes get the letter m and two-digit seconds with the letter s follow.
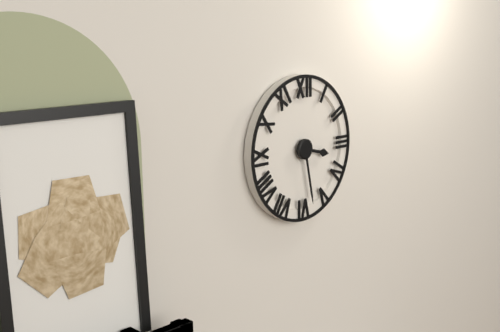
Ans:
3h28
